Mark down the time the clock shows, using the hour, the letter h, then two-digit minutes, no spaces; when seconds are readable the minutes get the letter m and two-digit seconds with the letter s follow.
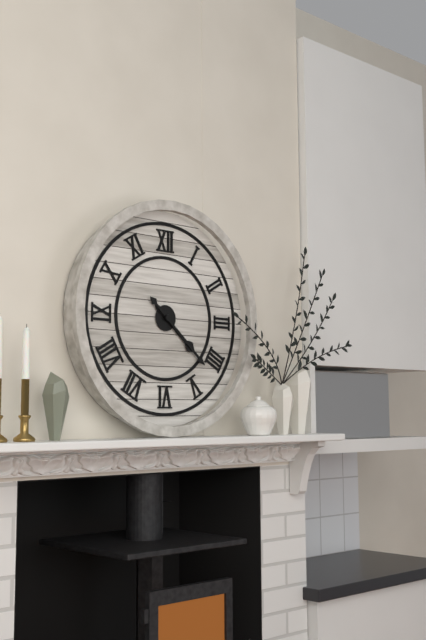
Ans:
4h22
